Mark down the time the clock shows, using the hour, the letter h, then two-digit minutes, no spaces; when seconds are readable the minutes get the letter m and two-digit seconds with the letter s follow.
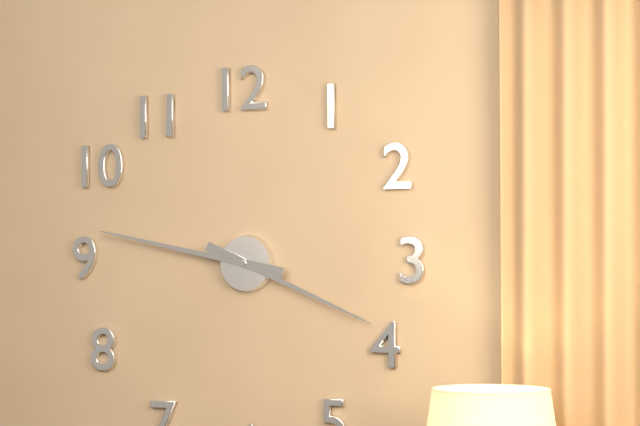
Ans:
3h47
